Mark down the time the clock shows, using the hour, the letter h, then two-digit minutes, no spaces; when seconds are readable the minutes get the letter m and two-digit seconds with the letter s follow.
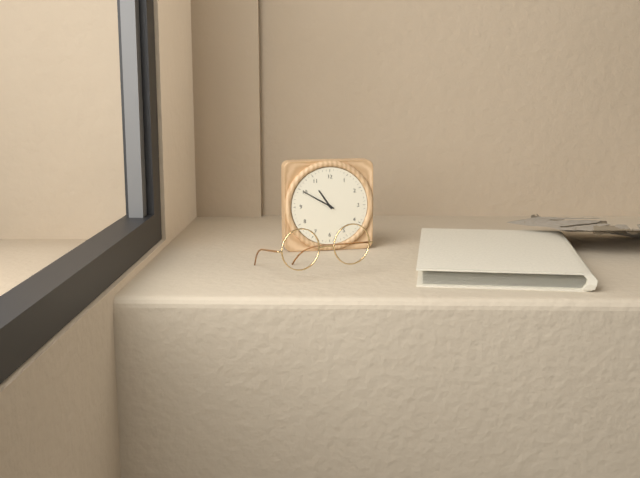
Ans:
10h50
